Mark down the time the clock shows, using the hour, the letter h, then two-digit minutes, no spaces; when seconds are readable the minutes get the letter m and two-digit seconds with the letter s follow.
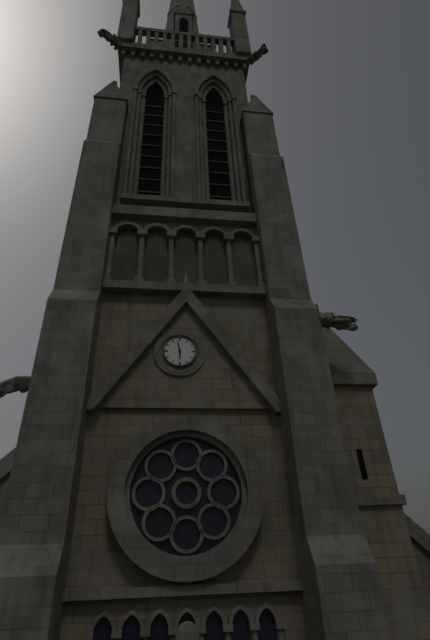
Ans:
5h58
